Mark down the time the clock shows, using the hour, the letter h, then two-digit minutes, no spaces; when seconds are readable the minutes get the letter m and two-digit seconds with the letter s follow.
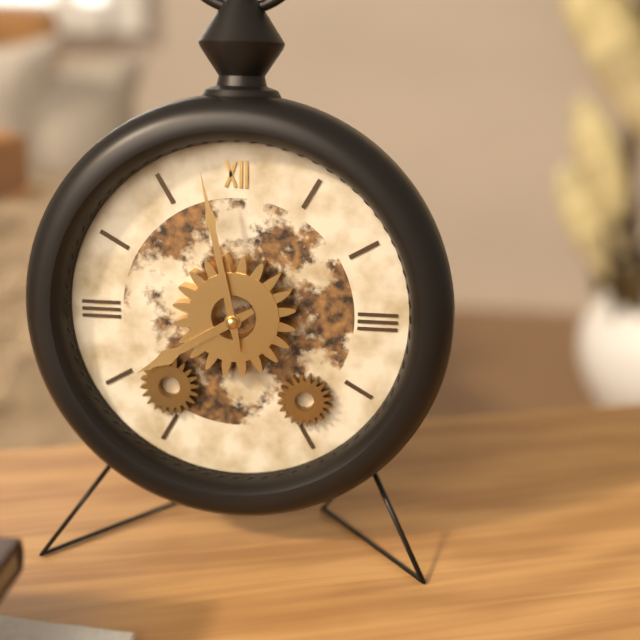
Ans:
7h58
